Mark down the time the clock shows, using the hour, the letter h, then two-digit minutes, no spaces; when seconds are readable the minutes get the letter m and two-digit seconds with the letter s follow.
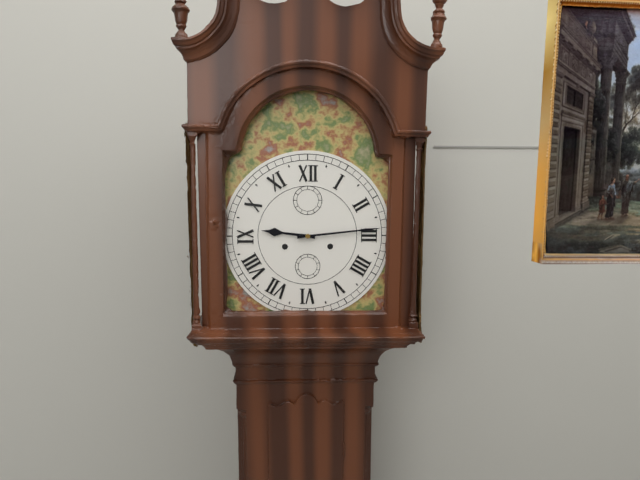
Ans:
9h14
